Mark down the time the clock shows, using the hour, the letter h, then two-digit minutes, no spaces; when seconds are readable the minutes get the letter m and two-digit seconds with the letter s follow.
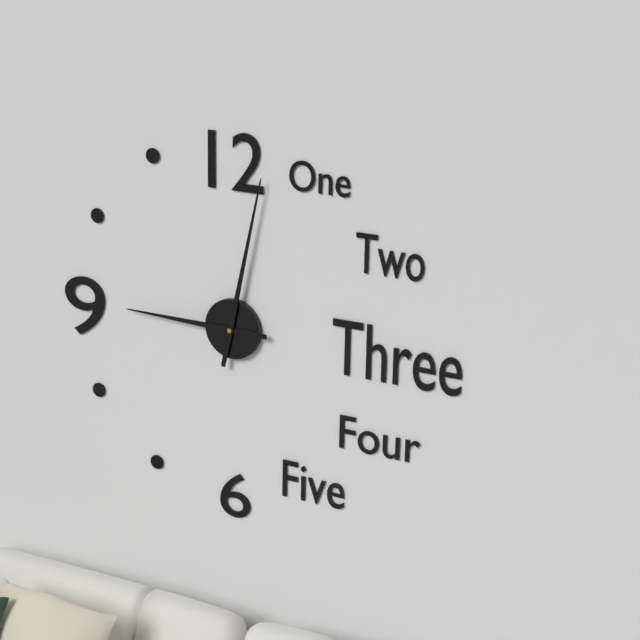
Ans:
9h02
